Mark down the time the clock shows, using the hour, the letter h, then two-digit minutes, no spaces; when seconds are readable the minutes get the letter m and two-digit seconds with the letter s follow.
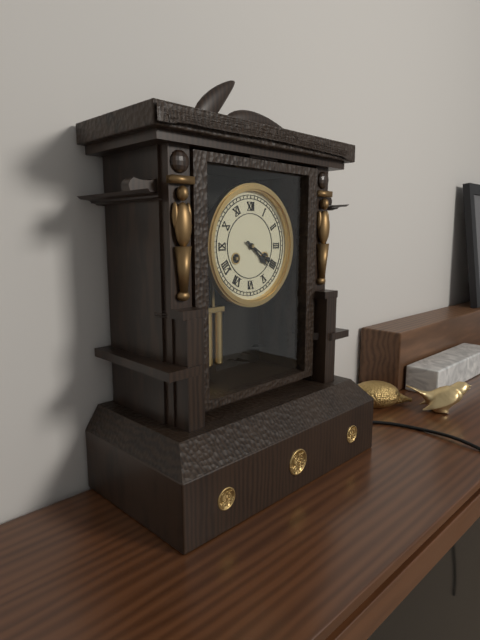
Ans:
4h20
